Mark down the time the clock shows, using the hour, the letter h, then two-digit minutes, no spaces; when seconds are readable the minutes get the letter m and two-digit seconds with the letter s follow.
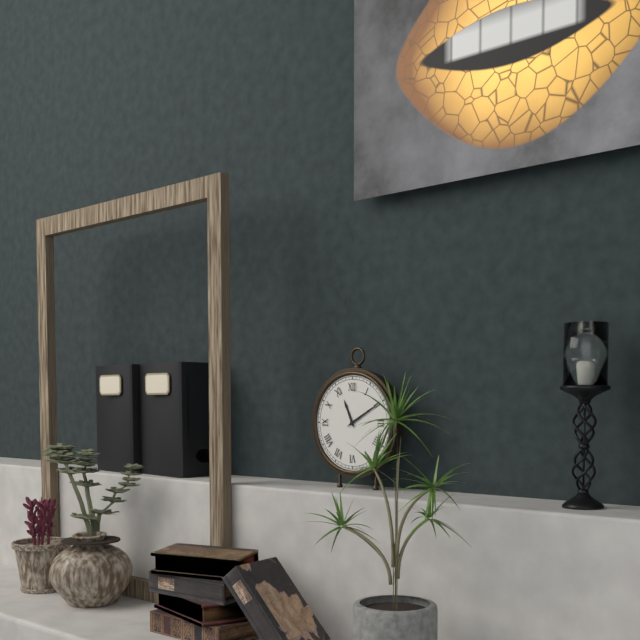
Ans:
11h10
